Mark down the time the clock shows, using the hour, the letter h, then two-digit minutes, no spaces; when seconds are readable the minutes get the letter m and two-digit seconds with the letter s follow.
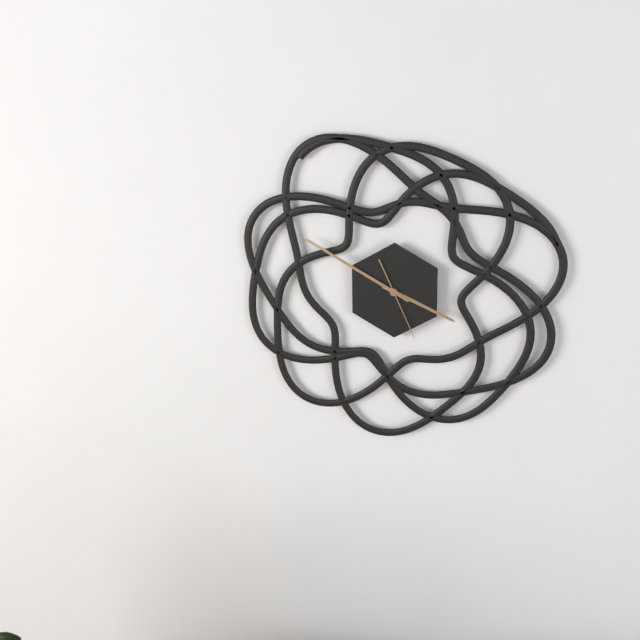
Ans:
3h50m26s
